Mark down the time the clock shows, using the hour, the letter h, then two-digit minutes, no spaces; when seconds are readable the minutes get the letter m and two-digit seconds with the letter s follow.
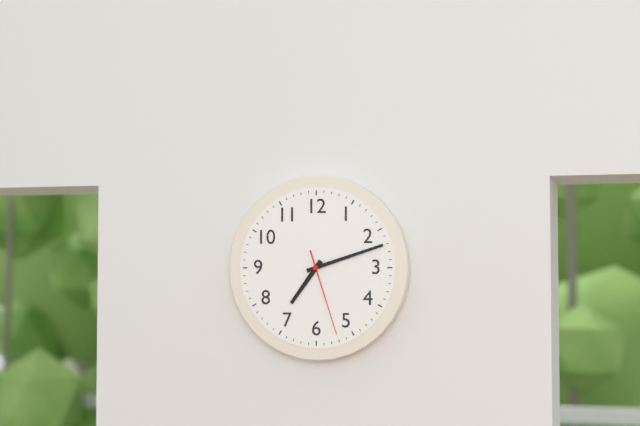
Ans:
7h12m27s
